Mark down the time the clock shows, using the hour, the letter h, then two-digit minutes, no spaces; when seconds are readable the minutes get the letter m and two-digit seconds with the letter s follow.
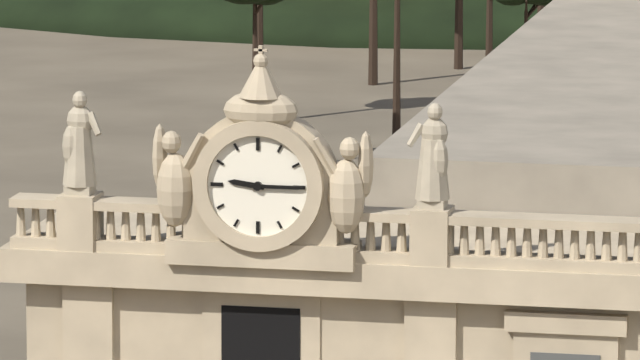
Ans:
9h15
